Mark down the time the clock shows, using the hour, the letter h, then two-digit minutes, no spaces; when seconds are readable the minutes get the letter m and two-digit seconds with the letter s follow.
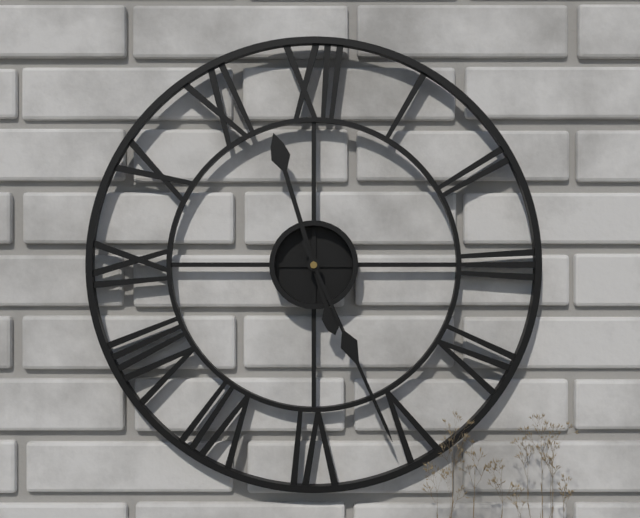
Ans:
11h26
